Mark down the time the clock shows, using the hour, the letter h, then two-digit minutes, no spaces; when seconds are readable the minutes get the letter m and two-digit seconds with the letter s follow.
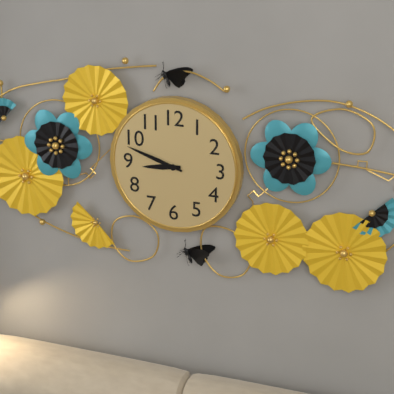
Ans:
8h48
